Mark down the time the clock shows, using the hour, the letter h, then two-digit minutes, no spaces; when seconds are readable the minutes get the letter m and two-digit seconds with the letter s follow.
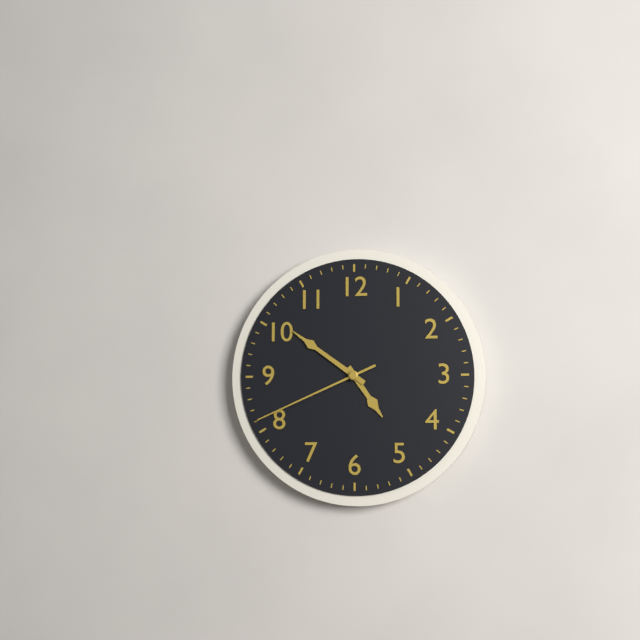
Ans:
4h51m41s
